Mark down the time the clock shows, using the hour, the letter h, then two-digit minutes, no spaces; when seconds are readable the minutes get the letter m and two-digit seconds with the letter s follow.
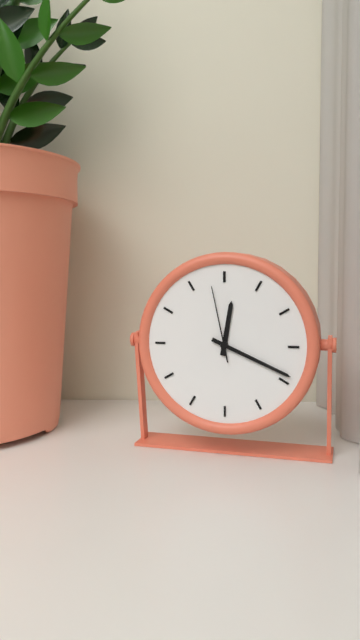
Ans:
12h19m58s
